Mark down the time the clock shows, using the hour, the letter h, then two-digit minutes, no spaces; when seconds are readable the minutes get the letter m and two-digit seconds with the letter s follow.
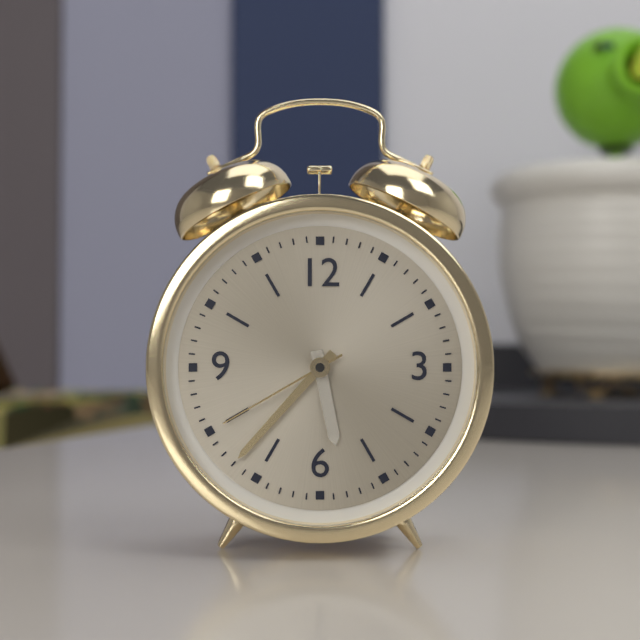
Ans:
5h37m40s
